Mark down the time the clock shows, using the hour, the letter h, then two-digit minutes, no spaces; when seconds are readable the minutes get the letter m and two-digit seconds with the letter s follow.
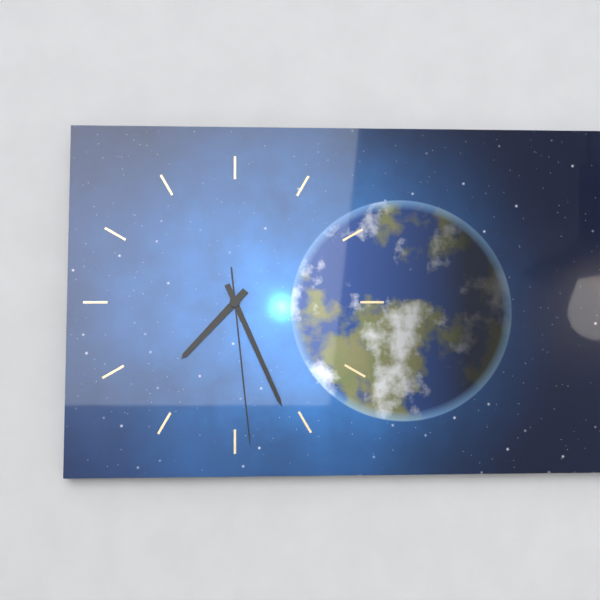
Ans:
7h26m29s
